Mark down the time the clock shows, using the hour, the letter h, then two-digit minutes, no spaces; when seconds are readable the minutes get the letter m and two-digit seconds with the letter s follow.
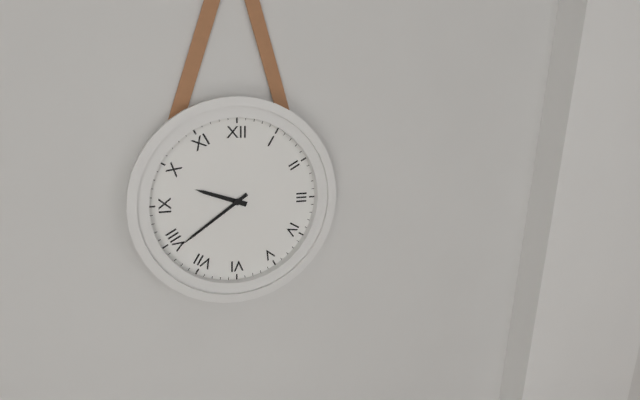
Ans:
9h39
